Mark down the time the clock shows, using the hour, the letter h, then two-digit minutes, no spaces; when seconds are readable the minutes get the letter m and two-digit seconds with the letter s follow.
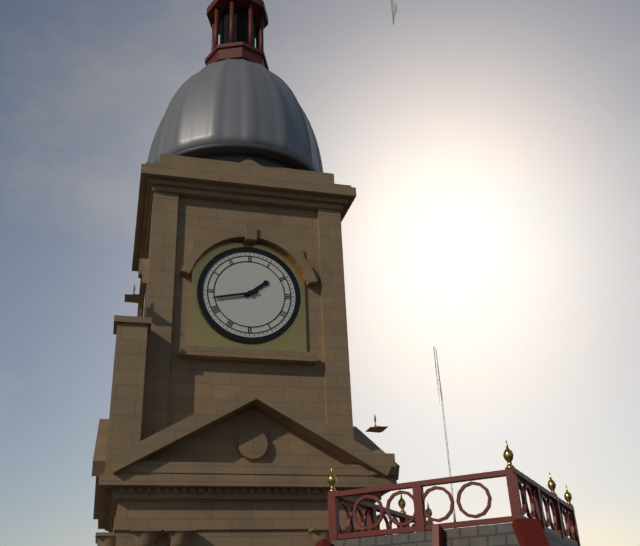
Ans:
1h43
